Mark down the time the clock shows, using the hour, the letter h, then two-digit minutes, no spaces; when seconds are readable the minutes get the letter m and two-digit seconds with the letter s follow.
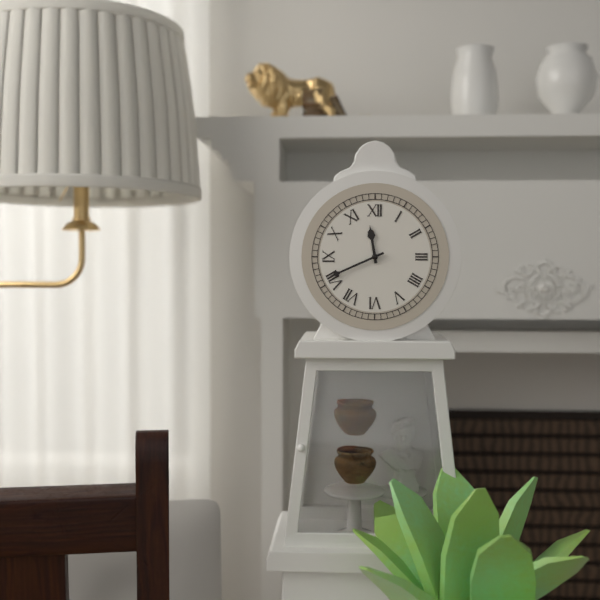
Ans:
11h41
